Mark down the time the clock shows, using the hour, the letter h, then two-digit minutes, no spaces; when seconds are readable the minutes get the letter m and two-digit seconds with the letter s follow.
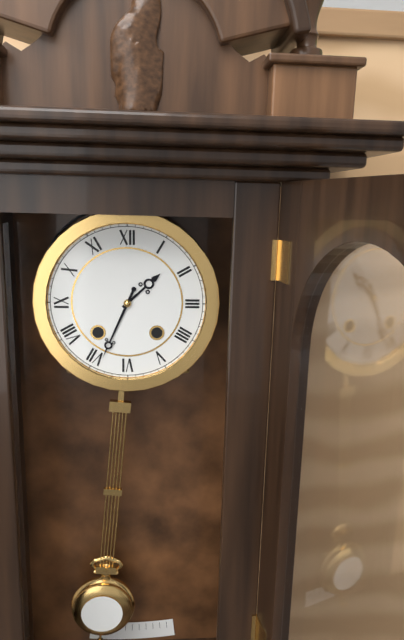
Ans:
1h34
